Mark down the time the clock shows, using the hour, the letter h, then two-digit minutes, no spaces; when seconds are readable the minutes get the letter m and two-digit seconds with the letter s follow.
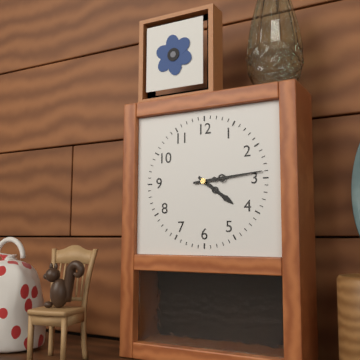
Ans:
4h14
